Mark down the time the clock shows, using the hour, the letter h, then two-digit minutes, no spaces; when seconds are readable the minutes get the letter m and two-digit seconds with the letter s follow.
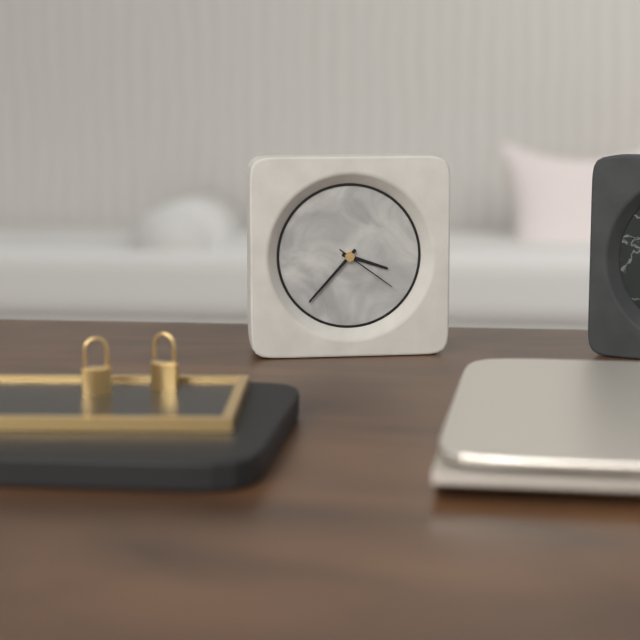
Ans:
3h37m21s
